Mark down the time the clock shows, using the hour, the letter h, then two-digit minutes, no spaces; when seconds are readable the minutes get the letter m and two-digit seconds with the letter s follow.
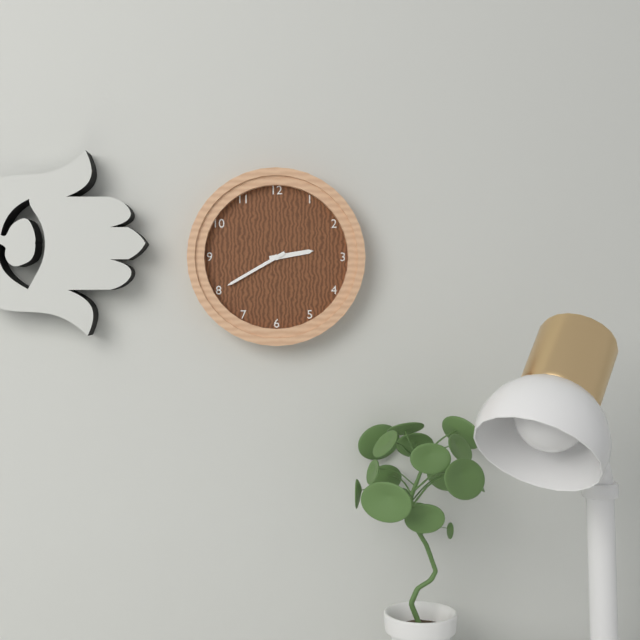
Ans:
2h40
